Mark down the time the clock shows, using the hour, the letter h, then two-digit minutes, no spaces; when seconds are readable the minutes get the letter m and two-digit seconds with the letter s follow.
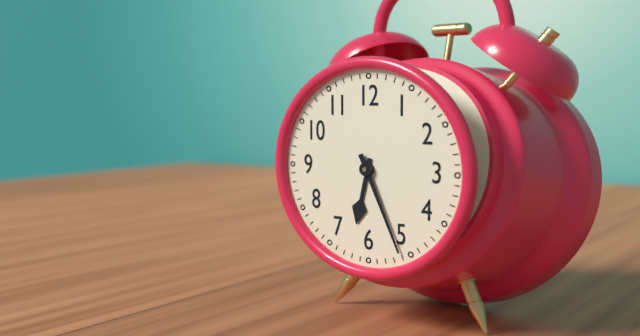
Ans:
6h26
